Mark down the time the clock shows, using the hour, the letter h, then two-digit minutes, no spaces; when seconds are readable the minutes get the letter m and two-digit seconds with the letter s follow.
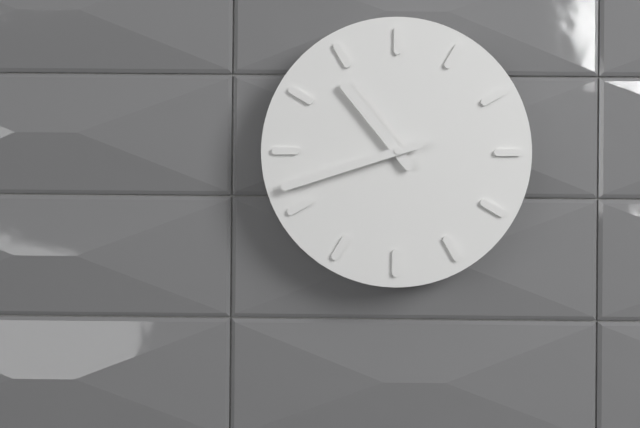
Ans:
10h42
